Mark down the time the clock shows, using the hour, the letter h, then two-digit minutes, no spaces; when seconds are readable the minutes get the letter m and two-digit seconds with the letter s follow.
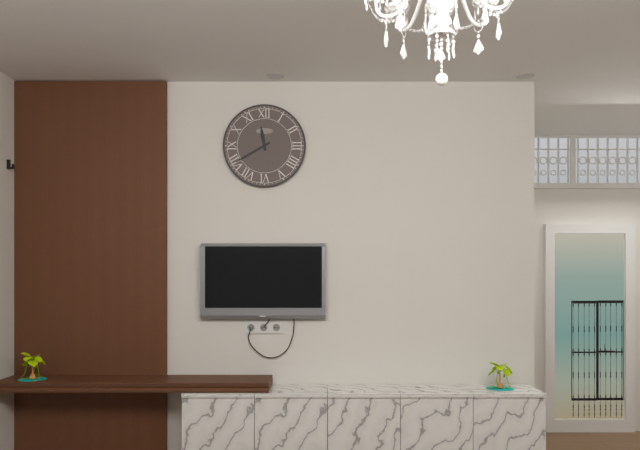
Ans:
11h40
